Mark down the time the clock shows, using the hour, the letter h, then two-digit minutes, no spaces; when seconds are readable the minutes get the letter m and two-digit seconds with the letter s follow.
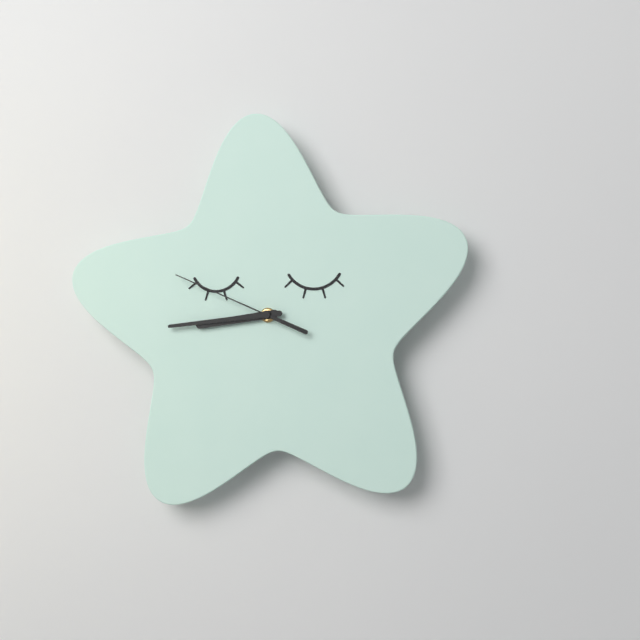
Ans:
8h44m49s
